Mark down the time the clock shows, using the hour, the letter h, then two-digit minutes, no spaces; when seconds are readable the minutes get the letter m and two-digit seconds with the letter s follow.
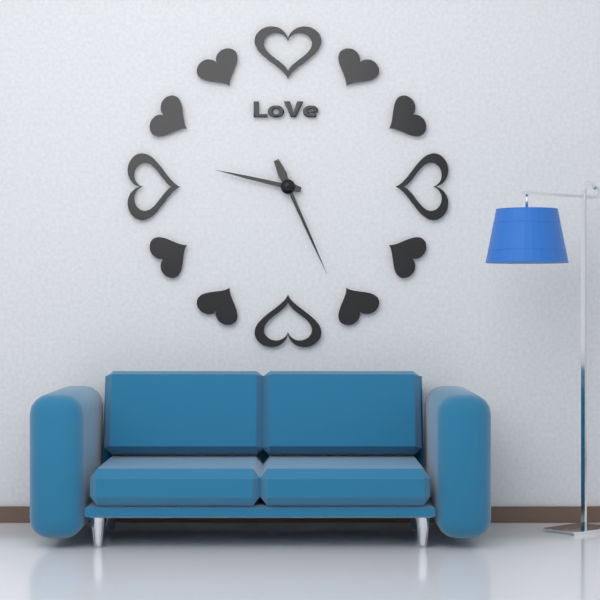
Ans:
9h26
